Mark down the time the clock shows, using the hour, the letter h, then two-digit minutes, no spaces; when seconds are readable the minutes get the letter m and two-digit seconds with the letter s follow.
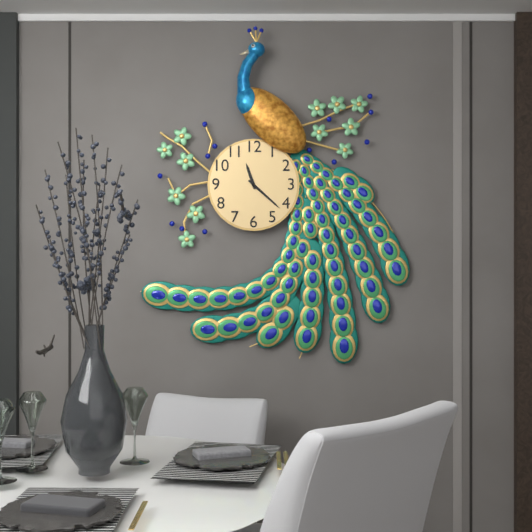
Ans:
11h22
